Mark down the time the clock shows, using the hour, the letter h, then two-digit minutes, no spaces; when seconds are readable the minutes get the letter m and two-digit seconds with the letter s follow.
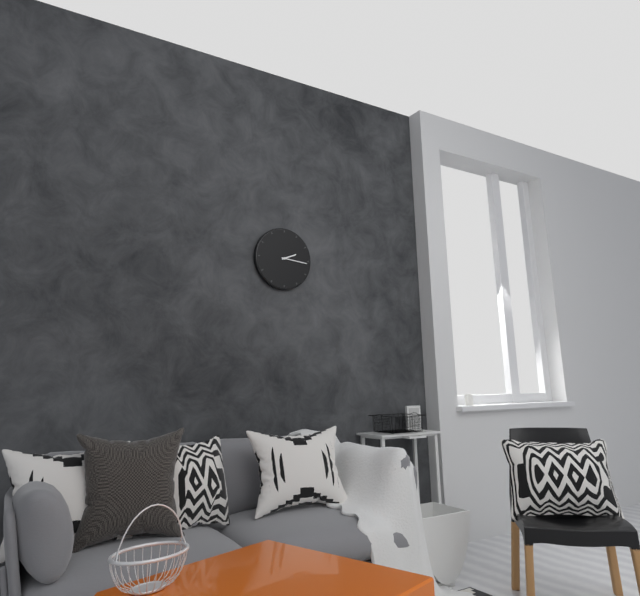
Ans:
2h16
